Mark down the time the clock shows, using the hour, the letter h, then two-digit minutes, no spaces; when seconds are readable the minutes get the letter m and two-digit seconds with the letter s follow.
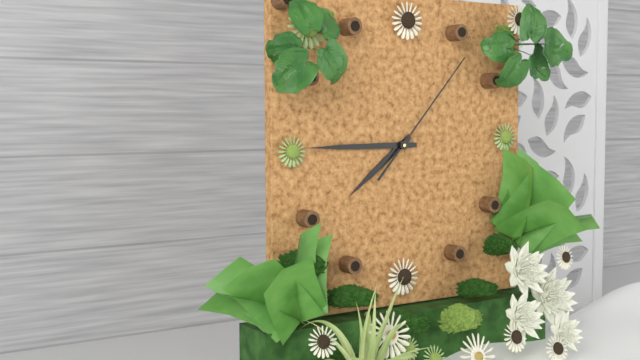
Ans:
7h45m07s
